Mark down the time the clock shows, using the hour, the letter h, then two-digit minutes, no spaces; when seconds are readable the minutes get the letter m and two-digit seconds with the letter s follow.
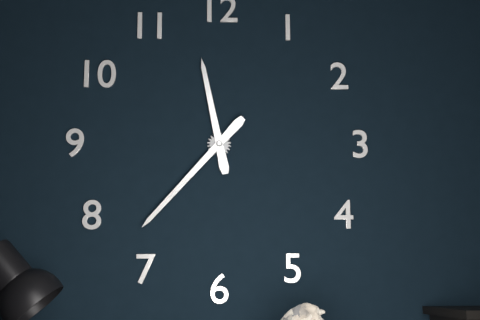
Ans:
11h37
